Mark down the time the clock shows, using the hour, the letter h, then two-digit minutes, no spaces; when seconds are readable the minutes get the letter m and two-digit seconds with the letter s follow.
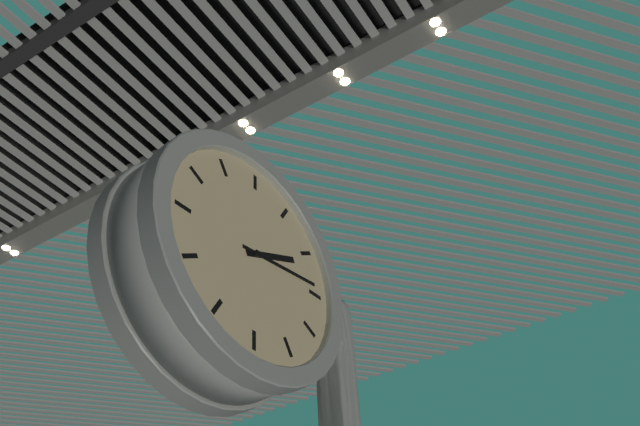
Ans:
2h14
